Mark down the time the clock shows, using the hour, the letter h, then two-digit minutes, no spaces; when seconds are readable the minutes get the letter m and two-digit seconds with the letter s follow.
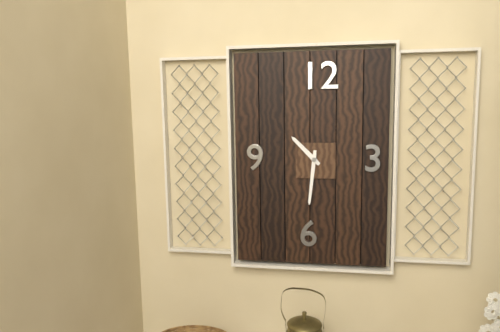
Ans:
10h31
